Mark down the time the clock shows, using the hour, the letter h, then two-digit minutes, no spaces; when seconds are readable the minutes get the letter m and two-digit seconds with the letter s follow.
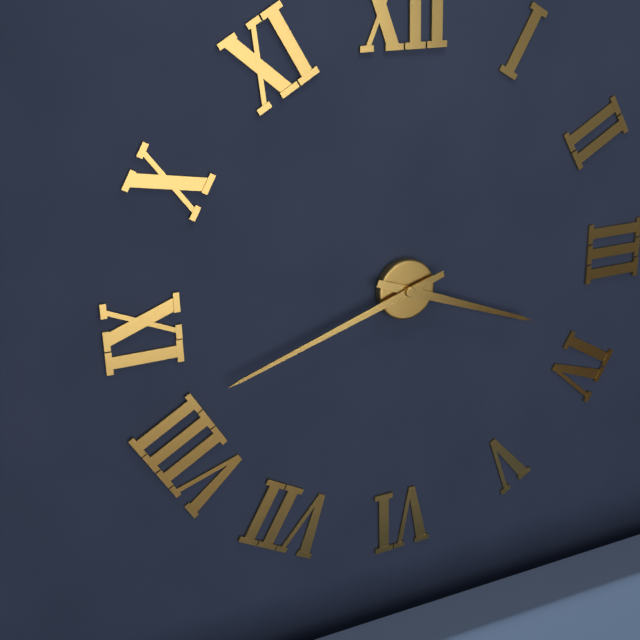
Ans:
3h42
